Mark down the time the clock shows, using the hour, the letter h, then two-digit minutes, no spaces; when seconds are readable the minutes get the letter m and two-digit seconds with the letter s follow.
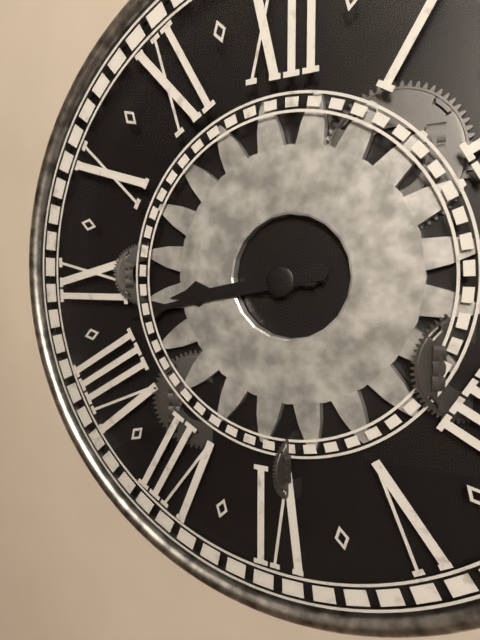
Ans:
8h43
